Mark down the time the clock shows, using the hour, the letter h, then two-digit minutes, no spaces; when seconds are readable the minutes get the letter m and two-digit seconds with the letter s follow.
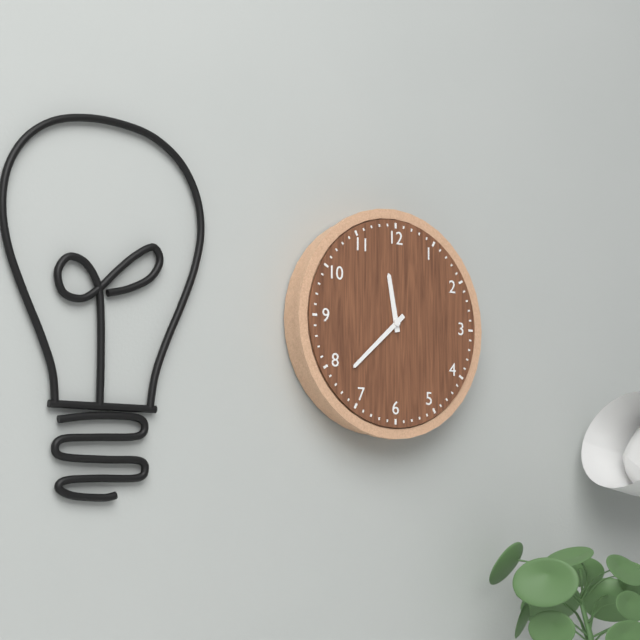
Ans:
11h38
